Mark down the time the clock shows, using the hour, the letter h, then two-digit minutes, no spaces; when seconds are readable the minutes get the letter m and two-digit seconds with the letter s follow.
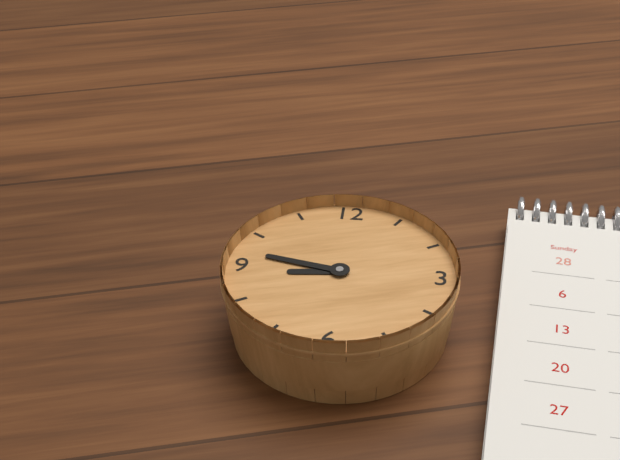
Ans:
8h47
